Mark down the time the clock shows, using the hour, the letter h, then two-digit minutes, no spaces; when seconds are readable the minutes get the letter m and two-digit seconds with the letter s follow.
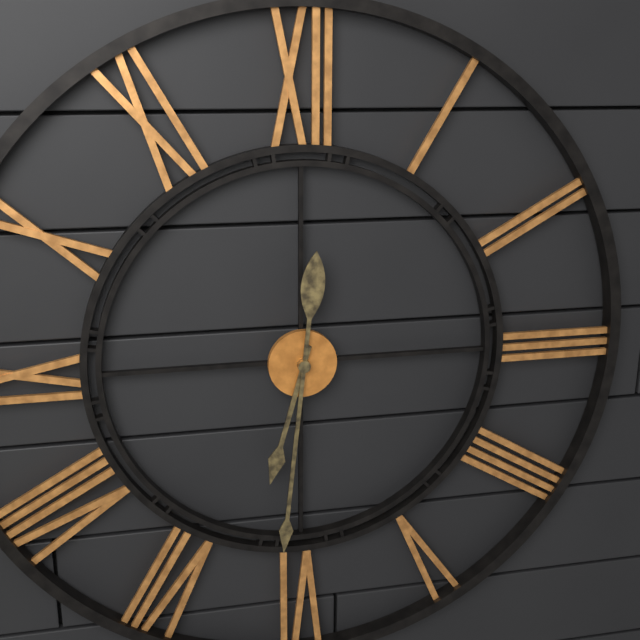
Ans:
6h31
